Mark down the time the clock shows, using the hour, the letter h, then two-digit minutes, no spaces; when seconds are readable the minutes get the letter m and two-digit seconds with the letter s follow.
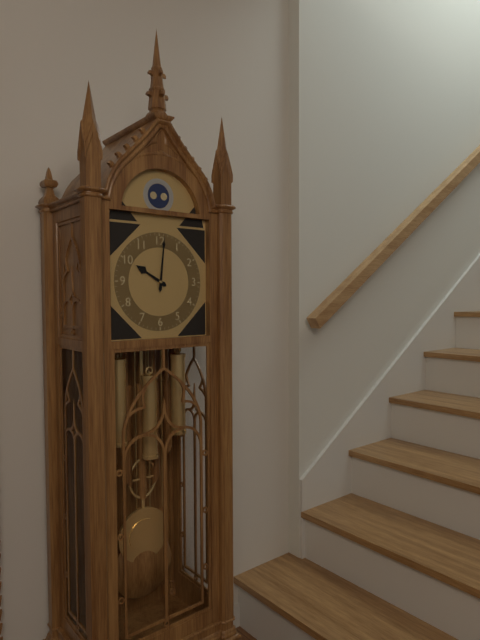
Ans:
10h01
